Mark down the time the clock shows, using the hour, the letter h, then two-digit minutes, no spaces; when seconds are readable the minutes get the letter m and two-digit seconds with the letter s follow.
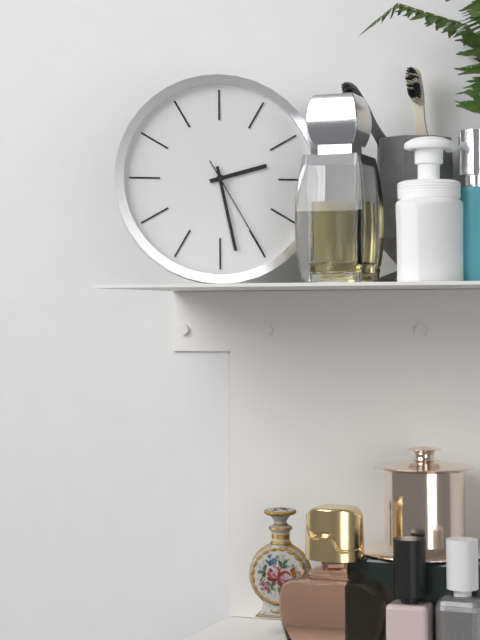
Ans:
2h28m25s
